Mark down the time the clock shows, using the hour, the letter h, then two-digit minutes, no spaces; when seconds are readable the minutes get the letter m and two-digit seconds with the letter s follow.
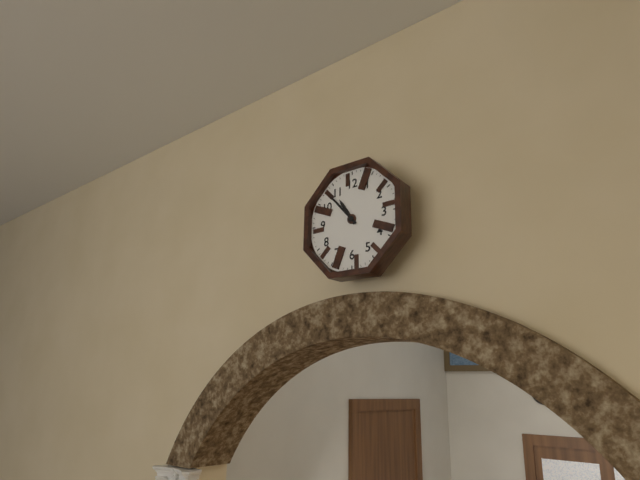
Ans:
10h53
